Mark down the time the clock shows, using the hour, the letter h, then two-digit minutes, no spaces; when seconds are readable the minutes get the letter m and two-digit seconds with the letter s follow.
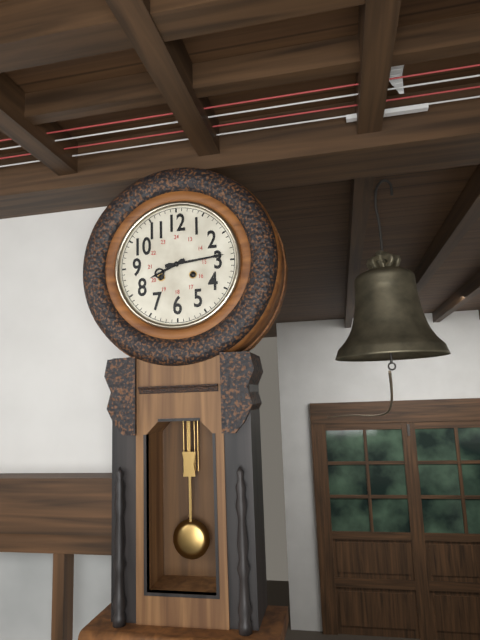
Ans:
8h14
